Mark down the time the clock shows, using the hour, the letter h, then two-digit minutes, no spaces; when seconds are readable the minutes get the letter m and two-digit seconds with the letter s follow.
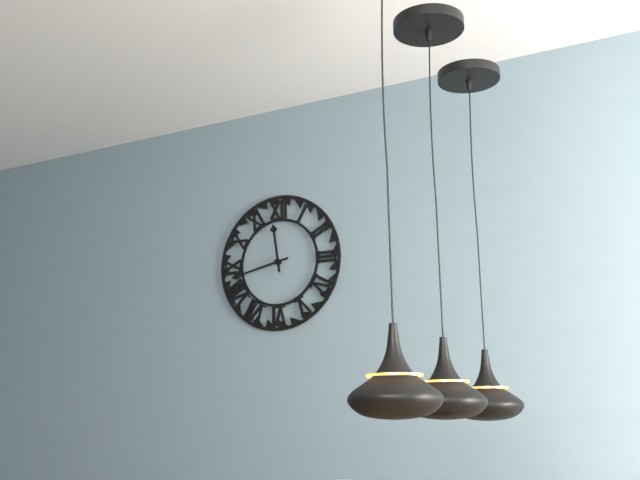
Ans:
11h43
